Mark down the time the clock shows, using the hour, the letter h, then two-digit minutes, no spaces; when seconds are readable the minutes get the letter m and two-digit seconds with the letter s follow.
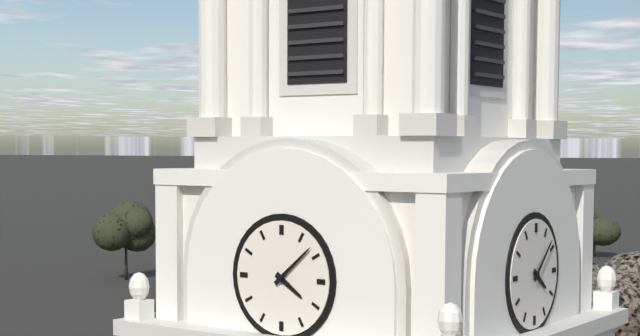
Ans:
4h08
